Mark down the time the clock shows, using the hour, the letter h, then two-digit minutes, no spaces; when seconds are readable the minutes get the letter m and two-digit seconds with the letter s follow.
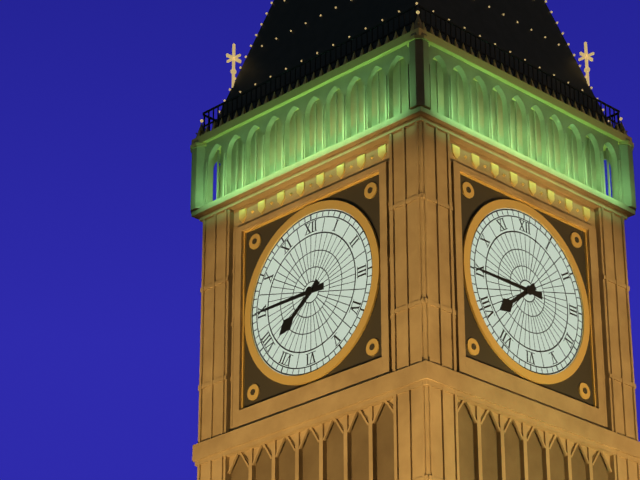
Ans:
7h45
